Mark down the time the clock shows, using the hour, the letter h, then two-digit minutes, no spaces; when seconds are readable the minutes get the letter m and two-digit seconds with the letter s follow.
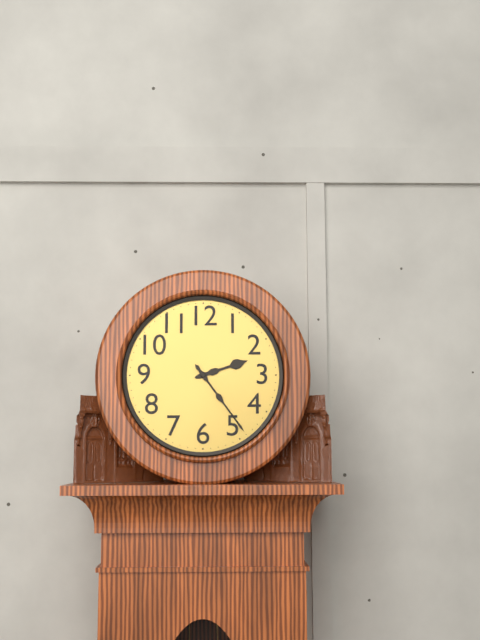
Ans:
2h24
